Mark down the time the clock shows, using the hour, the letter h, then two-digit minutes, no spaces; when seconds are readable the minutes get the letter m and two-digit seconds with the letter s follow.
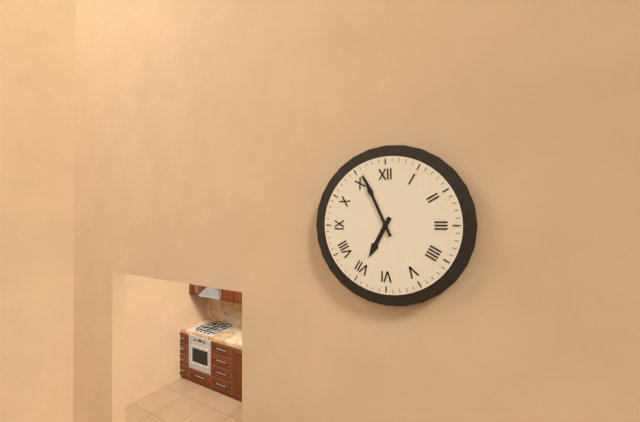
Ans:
6h56
